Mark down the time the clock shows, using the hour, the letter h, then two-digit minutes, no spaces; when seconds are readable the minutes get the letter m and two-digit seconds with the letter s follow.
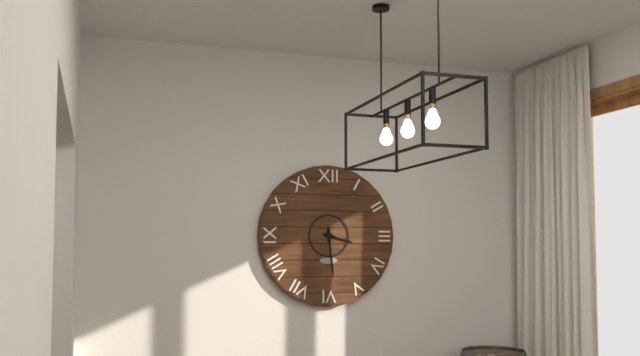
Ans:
3h29
